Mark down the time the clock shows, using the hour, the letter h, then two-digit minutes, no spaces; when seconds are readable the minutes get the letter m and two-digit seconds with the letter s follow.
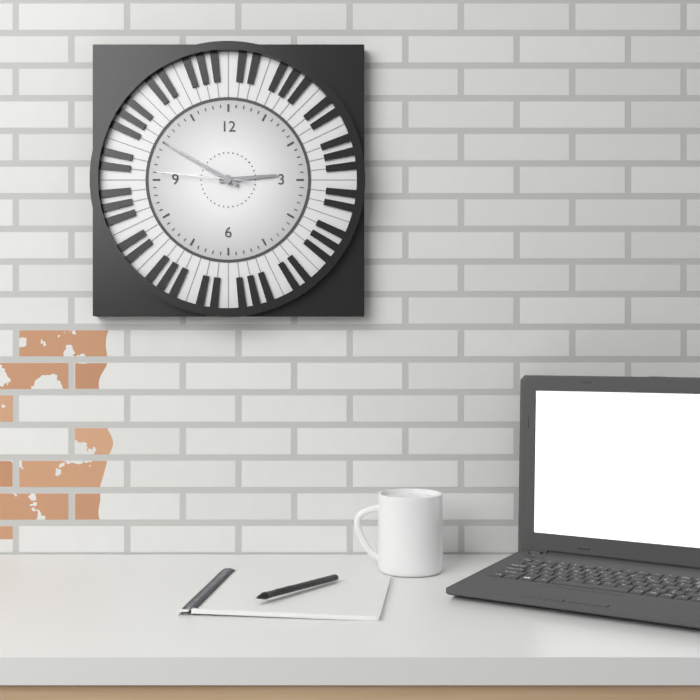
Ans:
2h50m46s
